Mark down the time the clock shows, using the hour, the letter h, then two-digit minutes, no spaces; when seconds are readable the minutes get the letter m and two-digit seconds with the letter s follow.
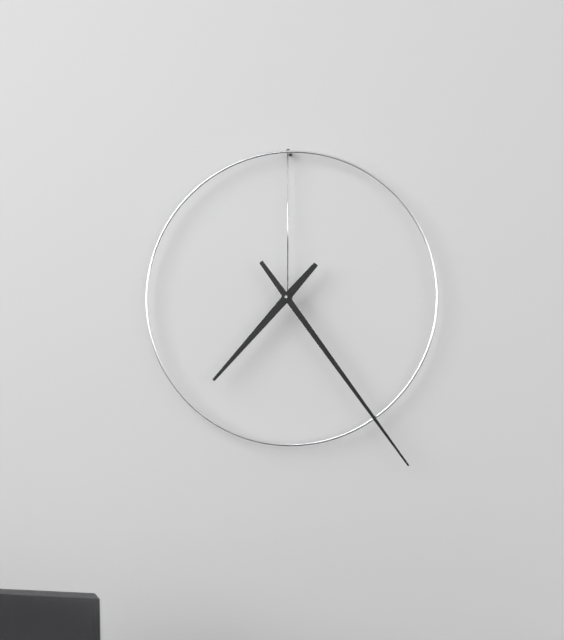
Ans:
7h24
